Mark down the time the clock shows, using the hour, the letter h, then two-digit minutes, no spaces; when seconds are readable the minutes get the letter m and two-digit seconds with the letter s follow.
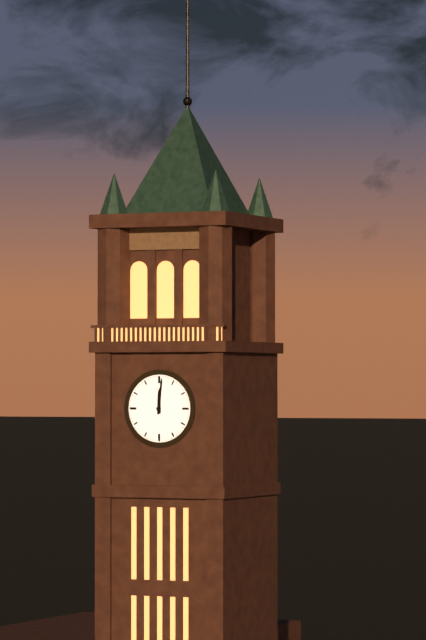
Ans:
12h01
